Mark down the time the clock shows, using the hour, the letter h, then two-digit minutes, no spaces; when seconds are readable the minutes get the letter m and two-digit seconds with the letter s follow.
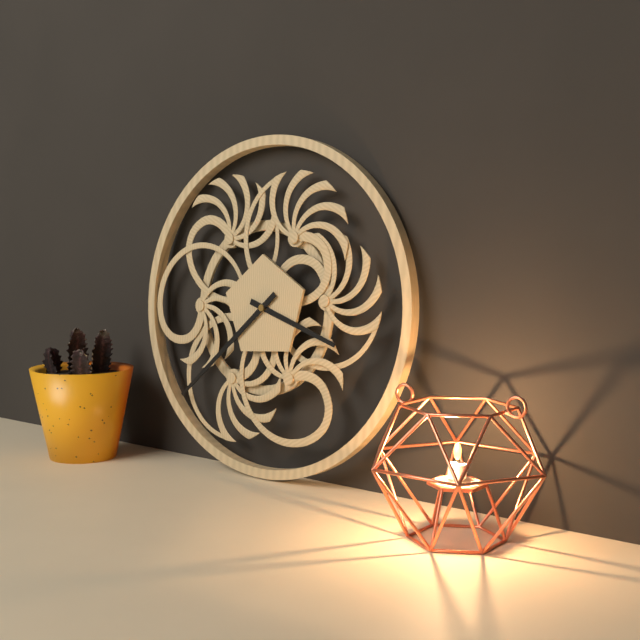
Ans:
3h38
